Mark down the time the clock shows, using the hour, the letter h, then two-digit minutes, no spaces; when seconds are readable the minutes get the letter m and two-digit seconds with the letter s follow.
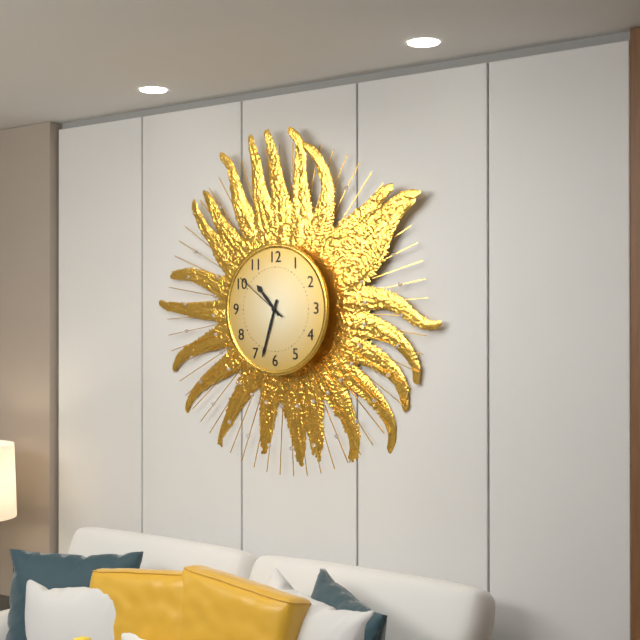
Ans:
10h33m51s
